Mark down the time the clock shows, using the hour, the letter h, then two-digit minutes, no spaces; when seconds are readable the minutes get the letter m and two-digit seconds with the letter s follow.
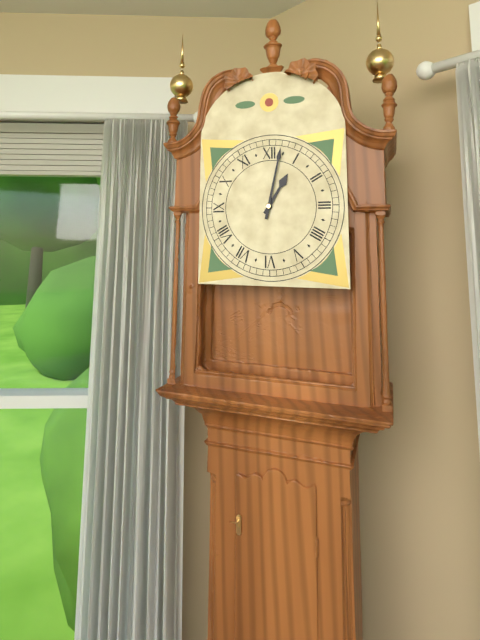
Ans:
1h02
